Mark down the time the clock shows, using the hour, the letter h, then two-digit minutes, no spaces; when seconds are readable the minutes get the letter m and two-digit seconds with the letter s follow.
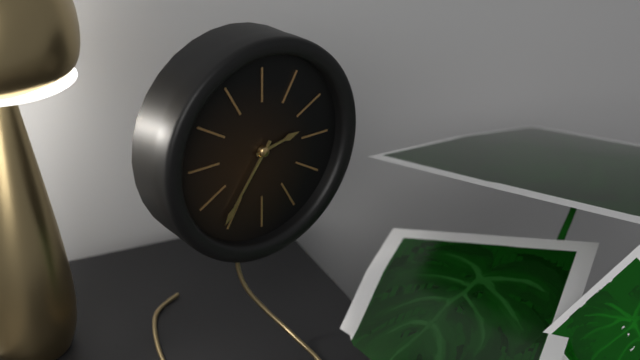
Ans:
2h36
